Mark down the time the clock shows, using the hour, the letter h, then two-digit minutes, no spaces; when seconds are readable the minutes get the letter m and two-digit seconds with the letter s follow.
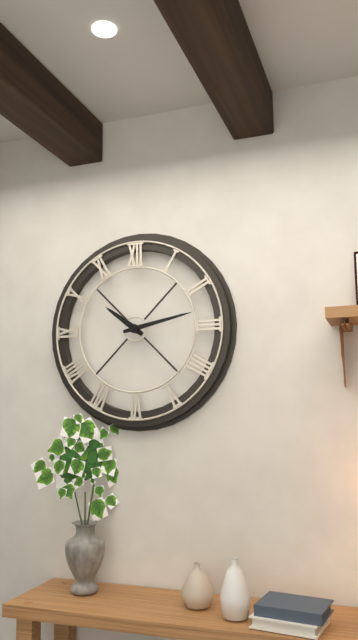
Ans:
10h13
